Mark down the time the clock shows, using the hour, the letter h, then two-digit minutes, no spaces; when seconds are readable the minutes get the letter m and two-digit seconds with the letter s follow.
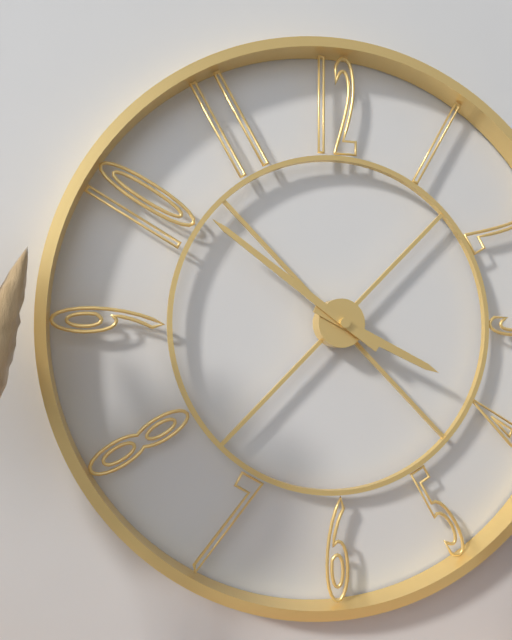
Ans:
3h51
